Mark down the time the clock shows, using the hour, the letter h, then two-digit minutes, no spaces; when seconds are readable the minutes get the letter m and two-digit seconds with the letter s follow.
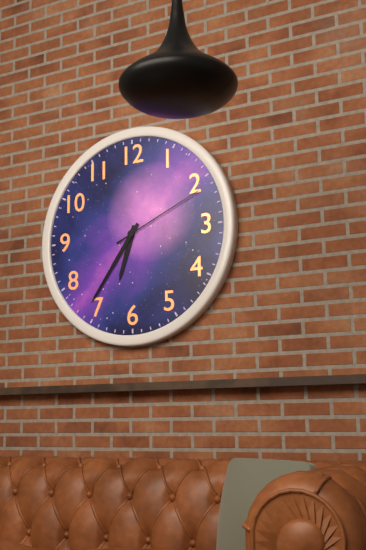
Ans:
6h36m11s
